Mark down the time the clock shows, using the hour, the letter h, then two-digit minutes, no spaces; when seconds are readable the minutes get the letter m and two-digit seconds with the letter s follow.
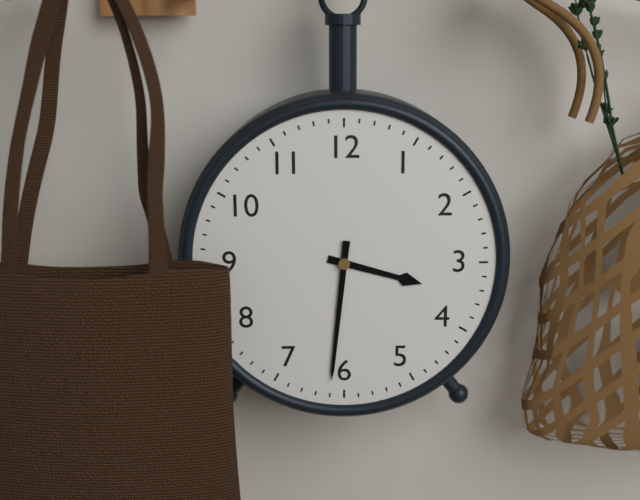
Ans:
3h31
